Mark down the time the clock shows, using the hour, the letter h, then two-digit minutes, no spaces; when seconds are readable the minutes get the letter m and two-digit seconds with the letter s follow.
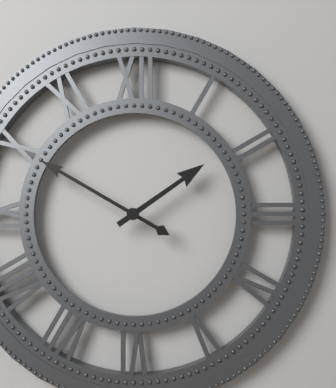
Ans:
1h50
